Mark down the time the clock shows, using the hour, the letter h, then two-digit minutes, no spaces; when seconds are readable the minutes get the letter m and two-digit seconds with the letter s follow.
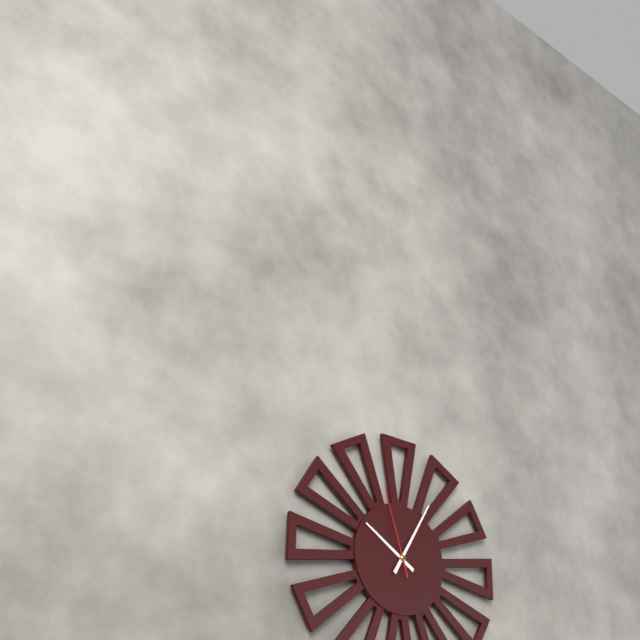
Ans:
10h05m57s
